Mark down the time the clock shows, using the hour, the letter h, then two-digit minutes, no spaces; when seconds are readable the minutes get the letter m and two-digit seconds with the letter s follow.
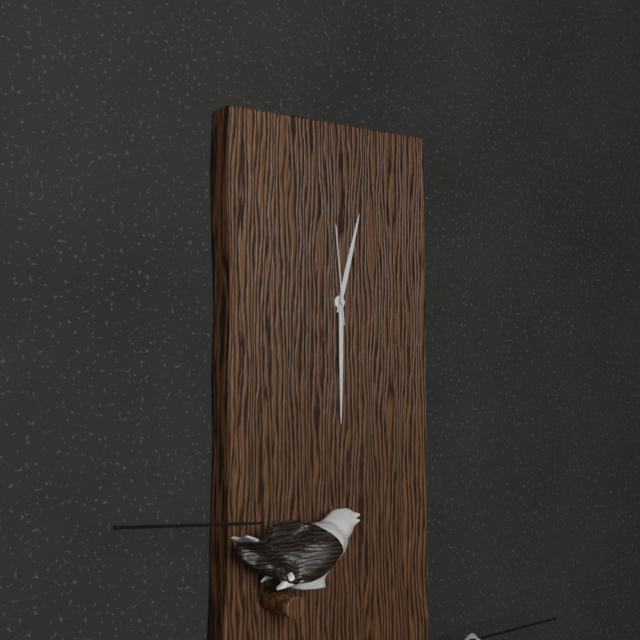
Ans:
12h30m59s
